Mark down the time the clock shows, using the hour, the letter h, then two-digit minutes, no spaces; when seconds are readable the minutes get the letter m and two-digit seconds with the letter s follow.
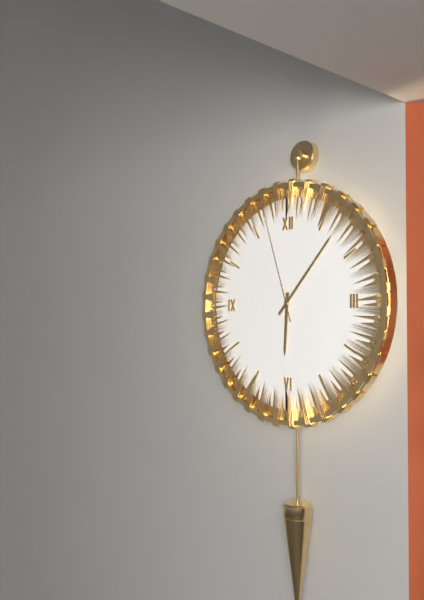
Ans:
6h07m57s
